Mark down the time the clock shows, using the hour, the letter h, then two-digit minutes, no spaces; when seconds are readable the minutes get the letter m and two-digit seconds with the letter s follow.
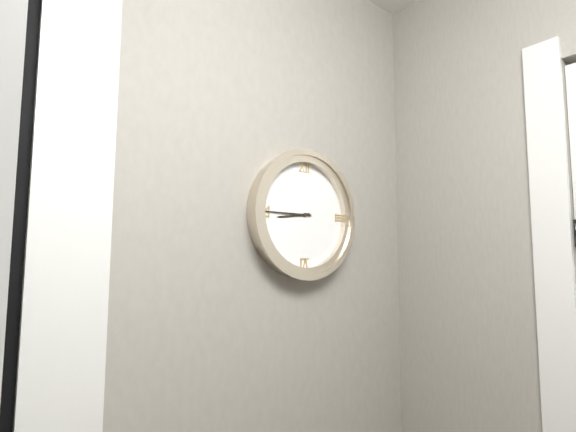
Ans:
8h45
